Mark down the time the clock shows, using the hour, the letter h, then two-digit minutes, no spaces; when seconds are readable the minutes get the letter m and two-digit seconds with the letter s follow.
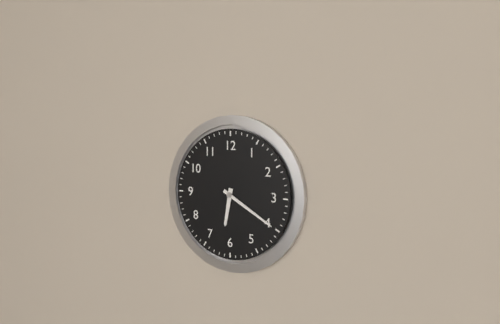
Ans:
6h20
